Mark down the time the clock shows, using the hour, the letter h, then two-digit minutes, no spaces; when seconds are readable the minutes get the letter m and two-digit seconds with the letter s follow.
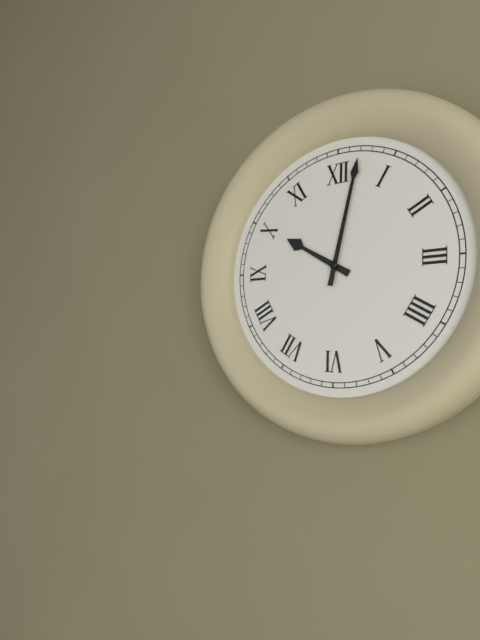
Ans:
10h02
